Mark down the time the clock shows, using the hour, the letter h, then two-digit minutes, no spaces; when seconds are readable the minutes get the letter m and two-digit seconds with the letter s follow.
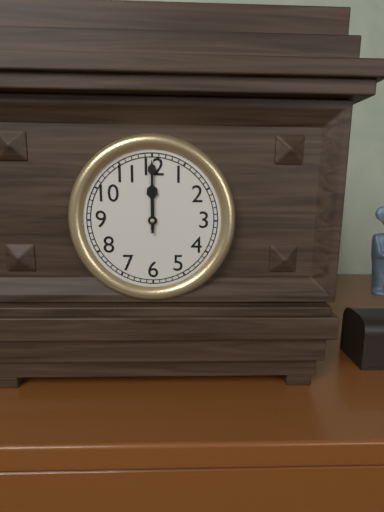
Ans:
12h00
